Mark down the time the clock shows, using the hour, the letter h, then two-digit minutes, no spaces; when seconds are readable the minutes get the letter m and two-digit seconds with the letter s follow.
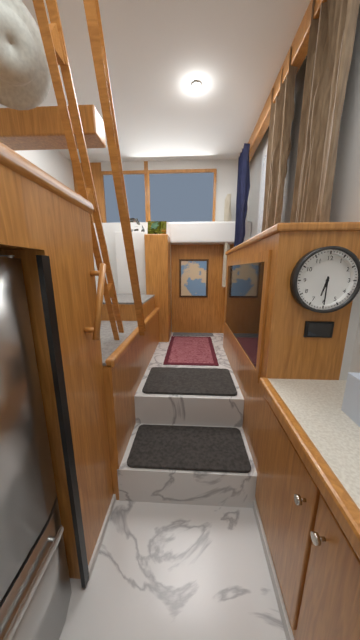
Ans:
6h30
